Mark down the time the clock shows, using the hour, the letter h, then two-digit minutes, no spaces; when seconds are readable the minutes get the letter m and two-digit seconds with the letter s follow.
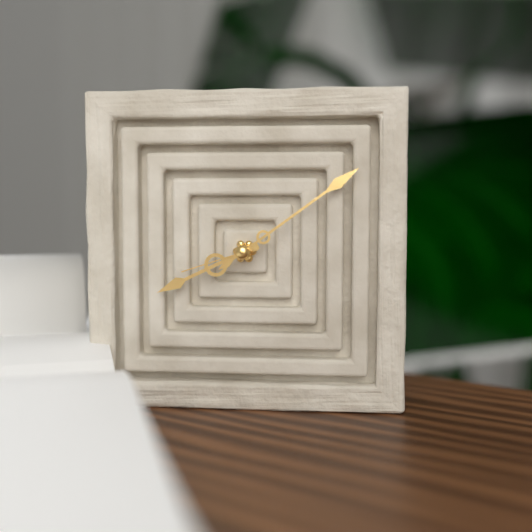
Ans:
8h09m42s
